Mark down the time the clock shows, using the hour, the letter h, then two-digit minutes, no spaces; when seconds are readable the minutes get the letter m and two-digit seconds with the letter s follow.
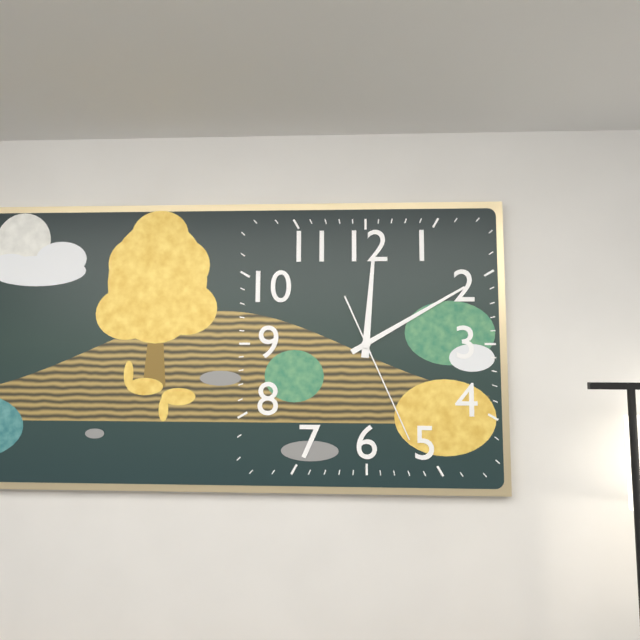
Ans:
12h10m26s
